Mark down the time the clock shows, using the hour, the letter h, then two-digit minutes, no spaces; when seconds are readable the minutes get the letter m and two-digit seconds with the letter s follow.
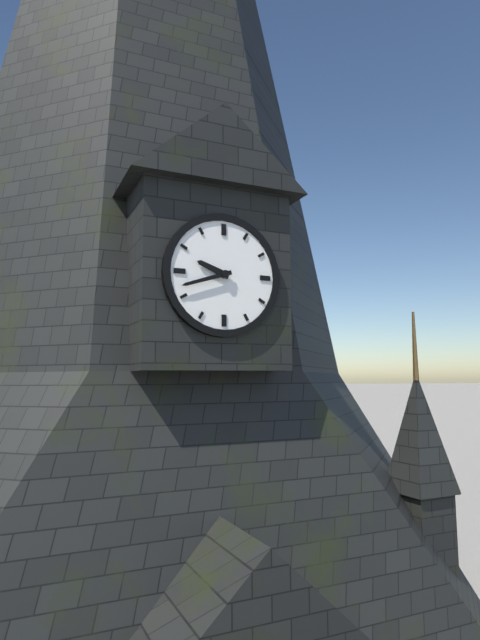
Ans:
9h42
